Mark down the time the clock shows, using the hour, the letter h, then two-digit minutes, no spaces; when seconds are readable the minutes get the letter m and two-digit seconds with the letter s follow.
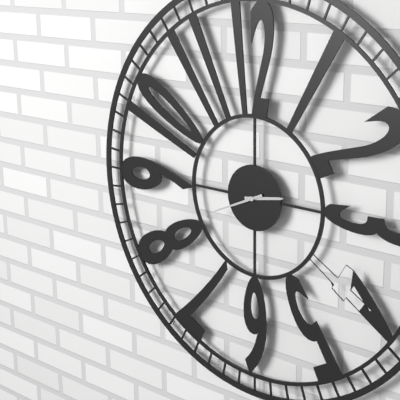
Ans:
2h41
